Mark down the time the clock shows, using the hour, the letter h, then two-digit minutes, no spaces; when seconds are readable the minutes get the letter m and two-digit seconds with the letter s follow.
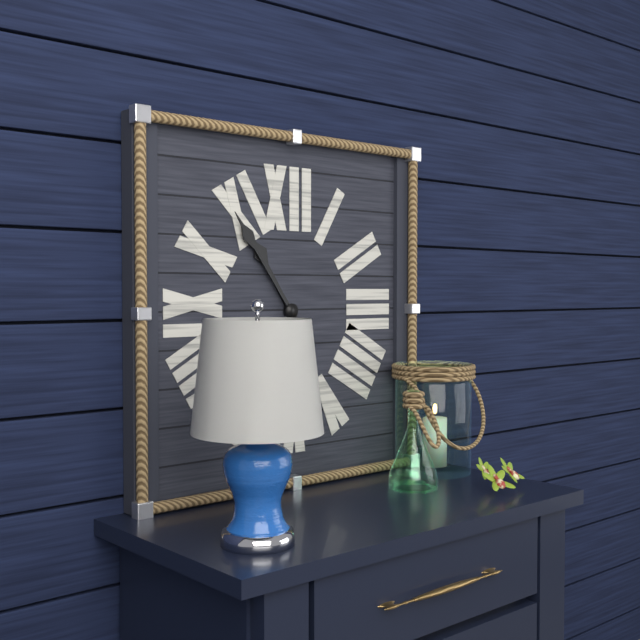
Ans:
10h54
